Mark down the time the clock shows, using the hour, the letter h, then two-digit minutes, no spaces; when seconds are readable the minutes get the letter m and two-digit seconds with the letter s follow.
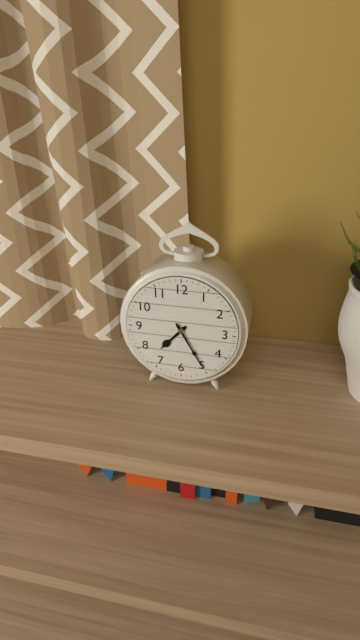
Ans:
7h25
